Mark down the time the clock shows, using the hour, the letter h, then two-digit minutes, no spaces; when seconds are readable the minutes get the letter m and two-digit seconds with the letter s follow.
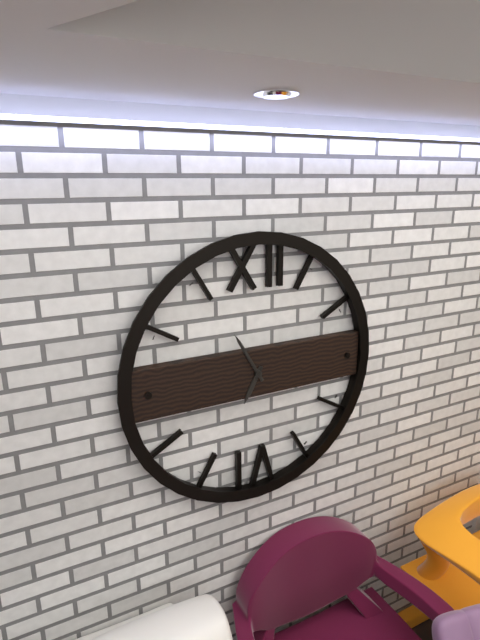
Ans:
6h55
